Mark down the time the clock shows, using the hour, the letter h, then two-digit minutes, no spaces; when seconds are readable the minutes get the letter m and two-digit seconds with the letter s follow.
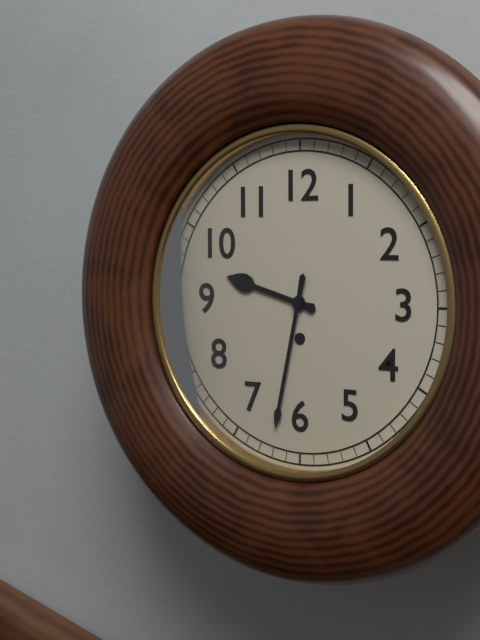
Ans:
9h32
